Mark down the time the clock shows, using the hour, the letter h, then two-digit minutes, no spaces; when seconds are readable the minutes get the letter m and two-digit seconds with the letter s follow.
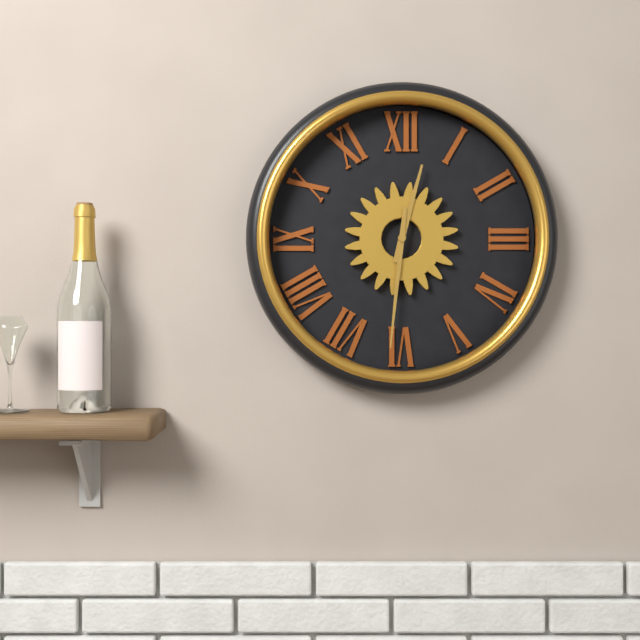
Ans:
12h31
